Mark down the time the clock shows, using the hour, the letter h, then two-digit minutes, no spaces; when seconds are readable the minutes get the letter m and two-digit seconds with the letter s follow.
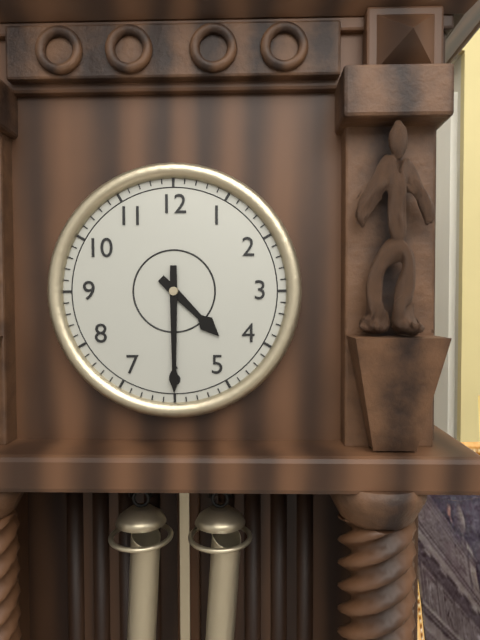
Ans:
4h30
